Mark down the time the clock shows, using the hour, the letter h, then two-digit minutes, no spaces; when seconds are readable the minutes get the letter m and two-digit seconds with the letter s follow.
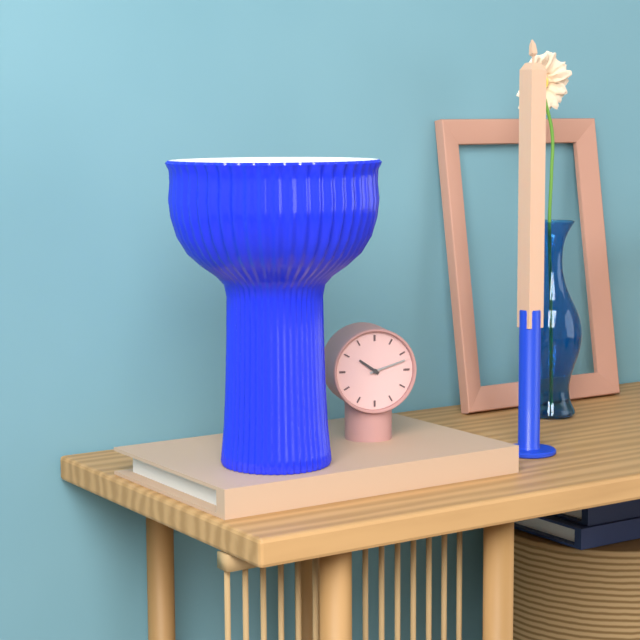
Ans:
10h12
